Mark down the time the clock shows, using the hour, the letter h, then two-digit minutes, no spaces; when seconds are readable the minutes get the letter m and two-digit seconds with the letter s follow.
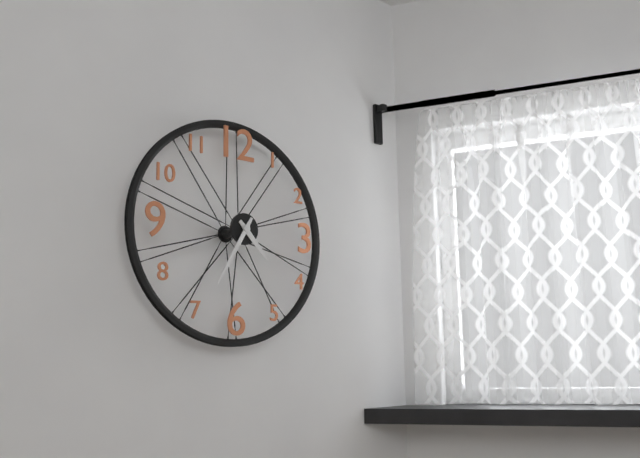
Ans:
4h35
